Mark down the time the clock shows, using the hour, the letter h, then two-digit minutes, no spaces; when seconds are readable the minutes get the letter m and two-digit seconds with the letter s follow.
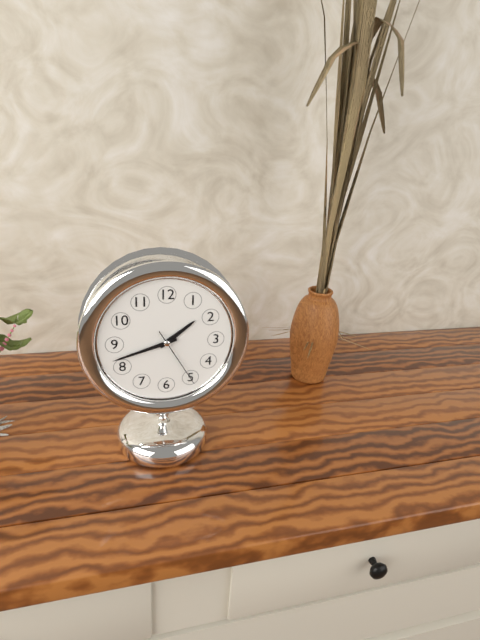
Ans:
1h42m25s
